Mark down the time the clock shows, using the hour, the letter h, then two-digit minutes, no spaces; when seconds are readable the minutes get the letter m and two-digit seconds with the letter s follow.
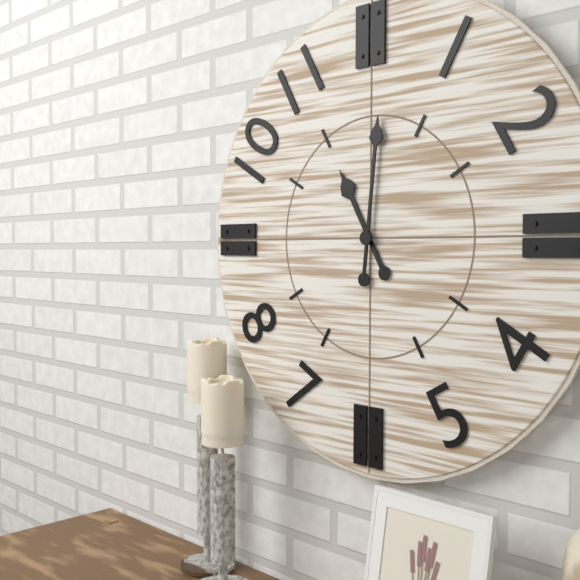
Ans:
11h01
